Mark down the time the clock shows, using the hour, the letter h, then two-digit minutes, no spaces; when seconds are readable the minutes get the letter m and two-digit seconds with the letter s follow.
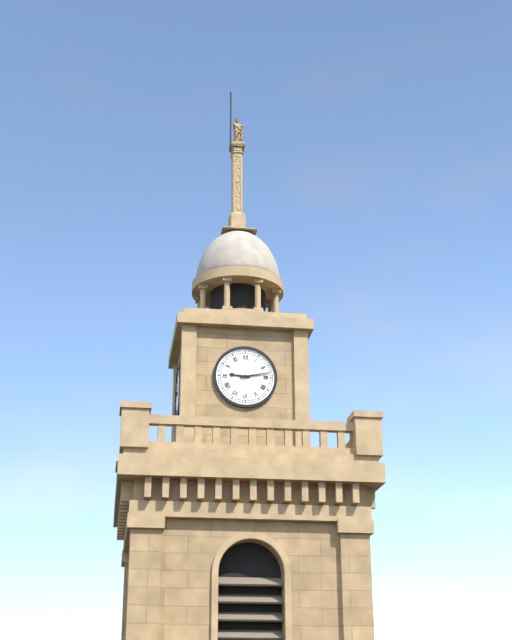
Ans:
9h13
